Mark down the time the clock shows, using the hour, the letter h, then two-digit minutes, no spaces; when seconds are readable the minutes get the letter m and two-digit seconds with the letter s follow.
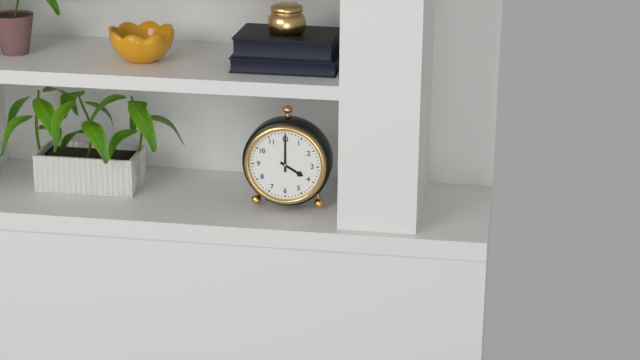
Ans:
4h00
